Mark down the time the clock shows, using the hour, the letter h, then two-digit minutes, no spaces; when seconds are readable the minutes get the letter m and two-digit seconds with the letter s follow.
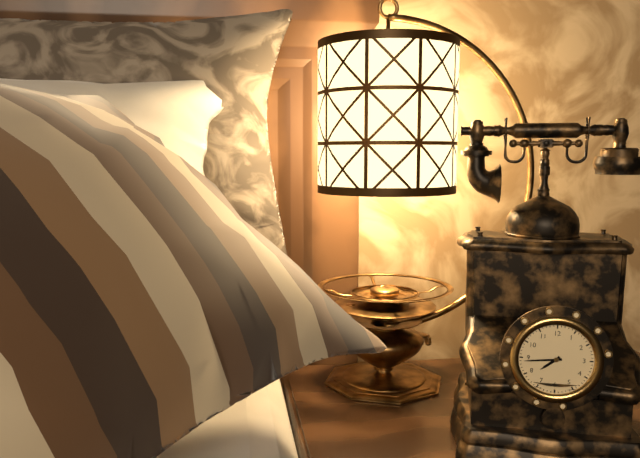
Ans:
7h44
